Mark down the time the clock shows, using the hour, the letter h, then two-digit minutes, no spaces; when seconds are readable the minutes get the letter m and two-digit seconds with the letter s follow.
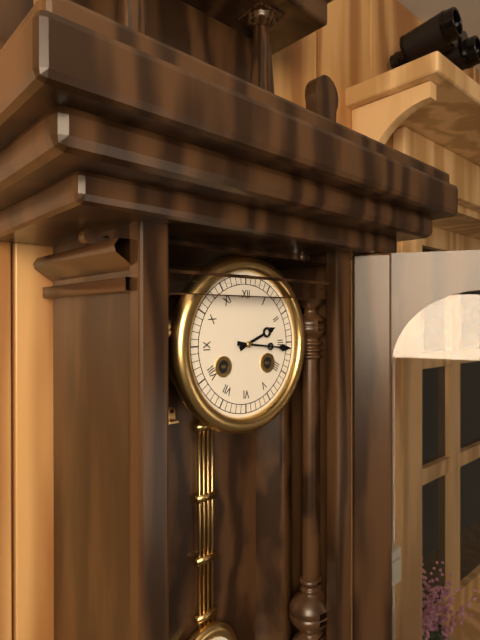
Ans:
2h16
